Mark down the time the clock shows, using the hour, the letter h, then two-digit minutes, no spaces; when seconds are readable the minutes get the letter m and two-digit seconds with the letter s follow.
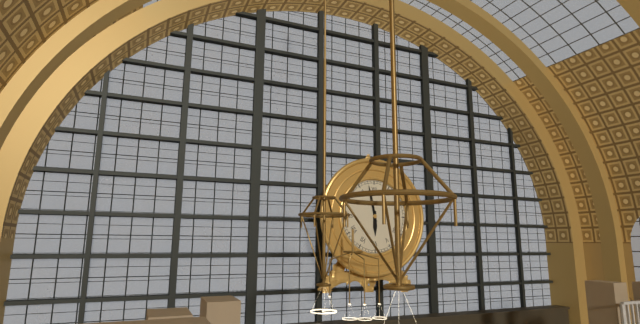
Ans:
5h58
